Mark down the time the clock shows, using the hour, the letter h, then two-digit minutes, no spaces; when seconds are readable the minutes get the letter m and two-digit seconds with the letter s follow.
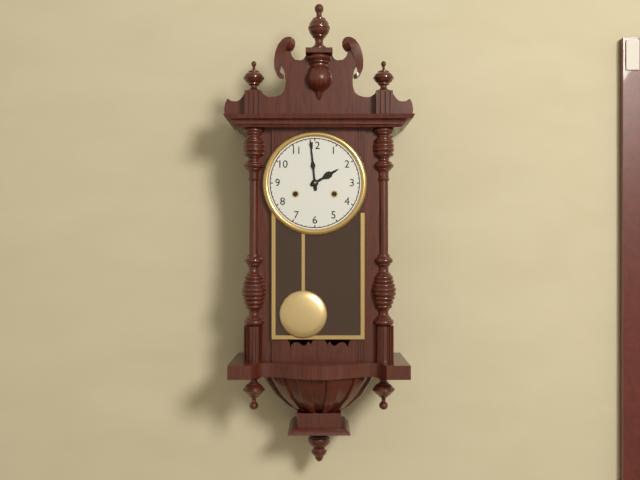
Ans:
1h59
